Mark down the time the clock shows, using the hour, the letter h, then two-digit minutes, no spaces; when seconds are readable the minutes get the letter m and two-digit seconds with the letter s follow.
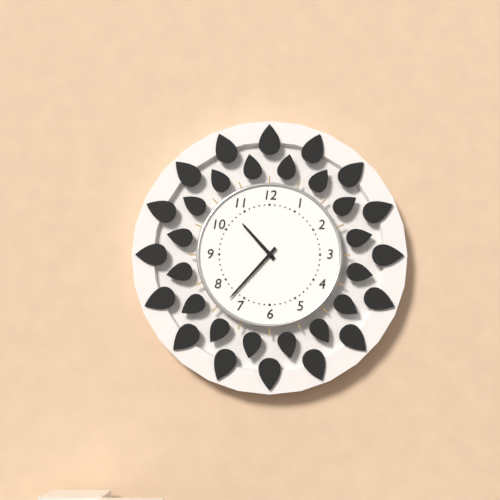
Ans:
10h37
